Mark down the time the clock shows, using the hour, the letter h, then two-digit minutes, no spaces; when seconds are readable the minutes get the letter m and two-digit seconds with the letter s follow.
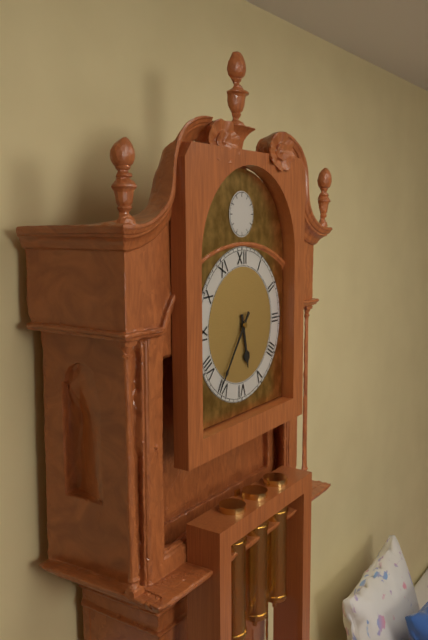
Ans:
5h36
